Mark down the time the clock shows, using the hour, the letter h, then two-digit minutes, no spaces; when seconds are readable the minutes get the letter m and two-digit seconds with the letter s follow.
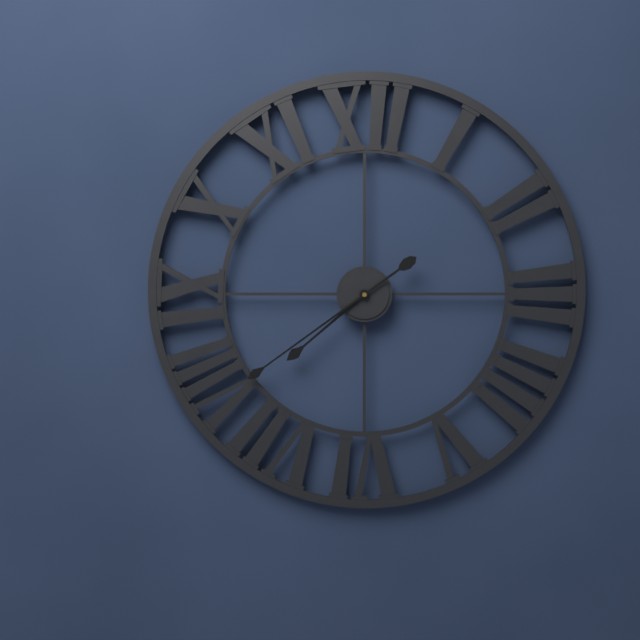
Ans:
7h39
